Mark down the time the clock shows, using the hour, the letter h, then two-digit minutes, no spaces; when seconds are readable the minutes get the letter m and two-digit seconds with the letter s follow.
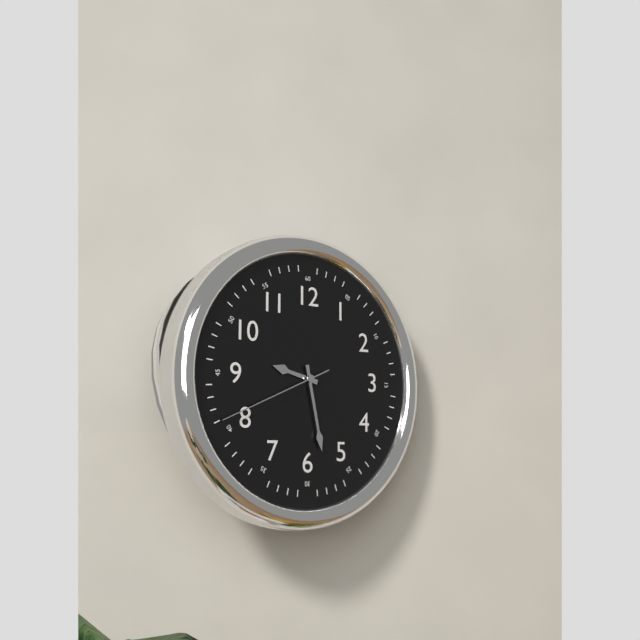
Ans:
9h28m41s
